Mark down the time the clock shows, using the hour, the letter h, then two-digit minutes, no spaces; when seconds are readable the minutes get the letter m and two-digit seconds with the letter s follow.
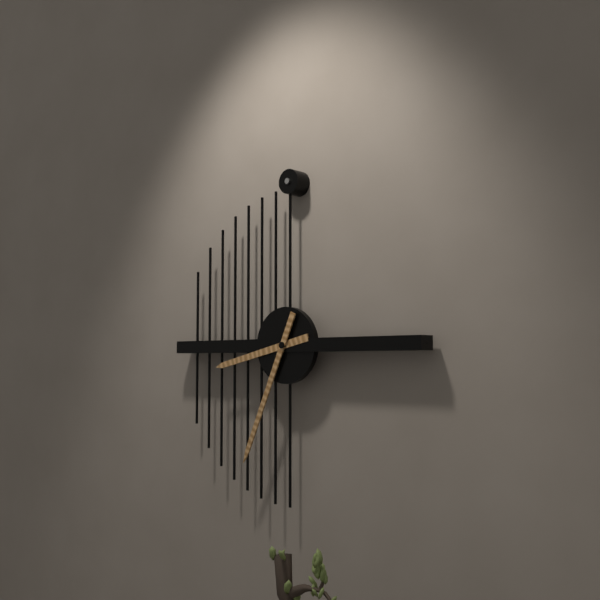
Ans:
8h34
